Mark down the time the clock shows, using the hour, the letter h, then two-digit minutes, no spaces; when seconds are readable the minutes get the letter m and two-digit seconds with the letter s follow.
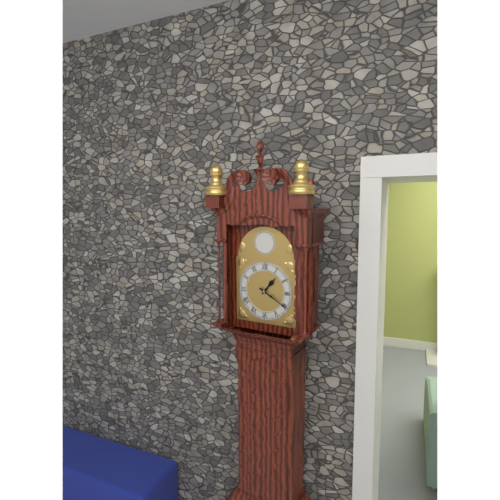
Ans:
1h20
